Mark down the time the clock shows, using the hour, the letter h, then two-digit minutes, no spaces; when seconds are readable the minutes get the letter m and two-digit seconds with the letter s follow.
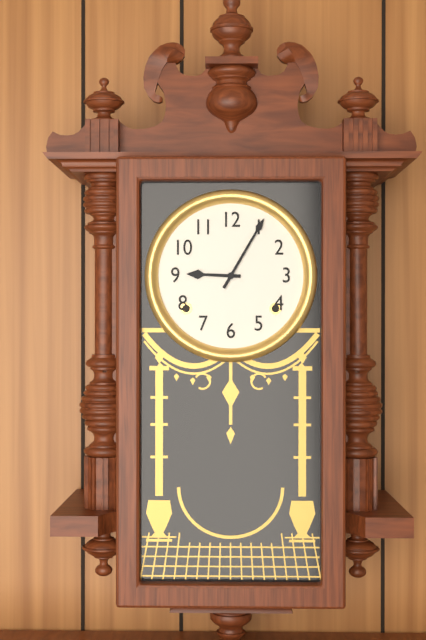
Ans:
9h05
